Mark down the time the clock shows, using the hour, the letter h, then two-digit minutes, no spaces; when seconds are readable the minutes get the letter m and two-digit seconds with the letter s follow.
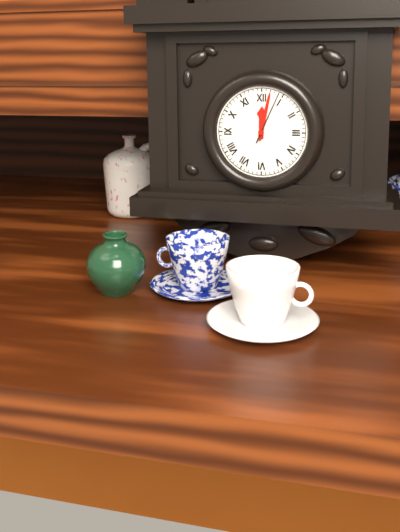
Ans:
12h02
